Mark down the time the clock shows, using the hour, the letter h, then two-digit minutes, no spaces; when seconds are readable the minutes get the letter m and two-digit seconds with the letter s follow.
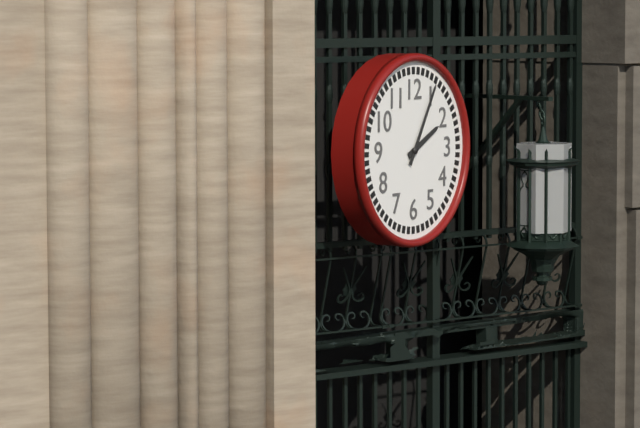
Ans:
2h05
